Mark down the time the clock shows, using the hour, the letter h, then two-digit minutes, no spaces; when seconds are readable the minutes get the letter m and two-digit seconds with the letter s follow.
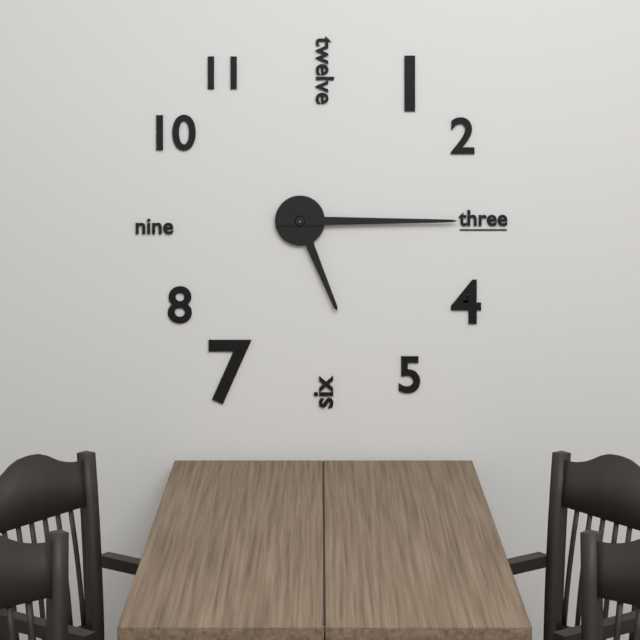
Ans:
5h15
